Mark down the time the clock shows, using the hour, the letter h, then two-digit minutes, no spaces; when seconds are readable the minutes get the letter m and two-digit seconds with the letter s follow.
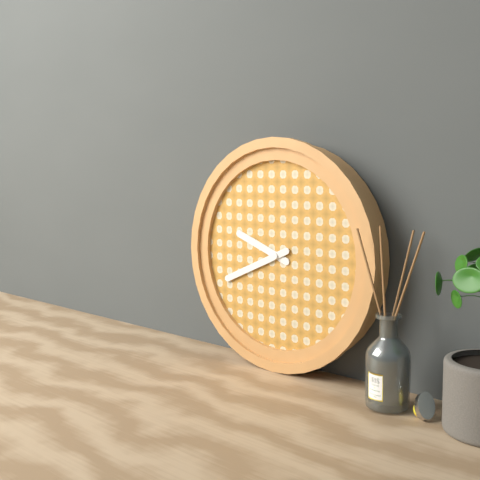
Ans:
9h41
